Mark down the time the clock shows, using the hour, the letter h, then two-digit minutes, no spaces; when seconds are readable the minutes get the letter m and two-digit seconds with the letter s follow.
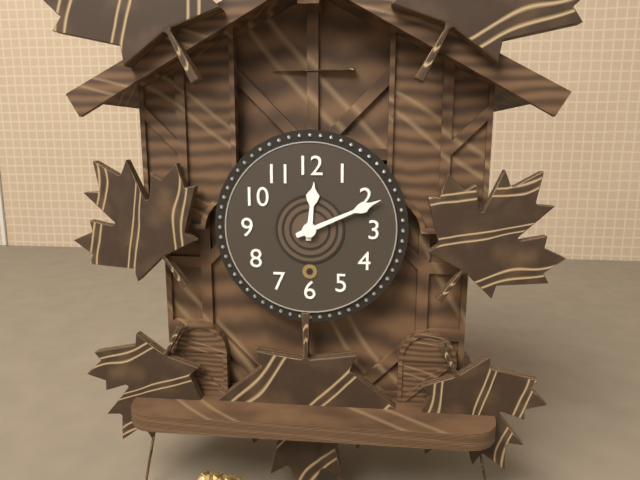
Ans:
12h11
